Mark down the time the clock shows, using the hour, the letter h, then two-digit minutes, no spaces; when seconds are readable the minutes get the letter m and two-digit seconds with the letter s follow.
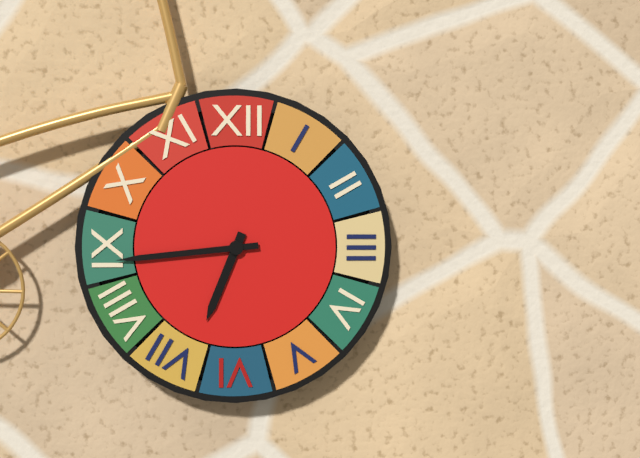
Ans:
6h44
